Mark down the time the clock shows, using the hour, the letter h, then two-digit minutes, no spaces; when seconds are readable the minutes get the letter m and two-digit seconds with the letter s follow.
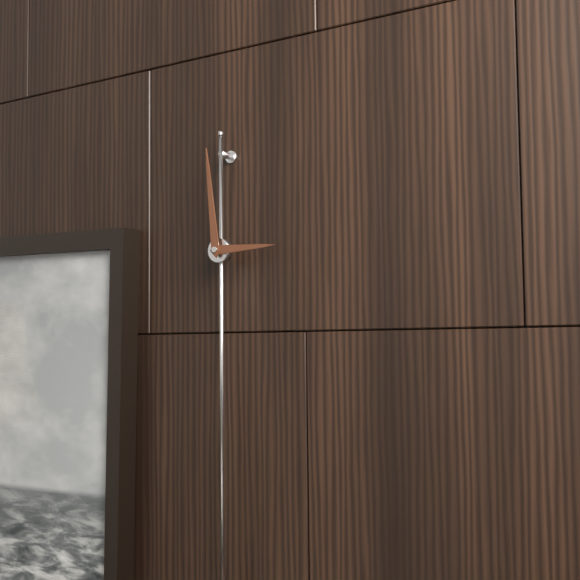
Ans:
2h59
